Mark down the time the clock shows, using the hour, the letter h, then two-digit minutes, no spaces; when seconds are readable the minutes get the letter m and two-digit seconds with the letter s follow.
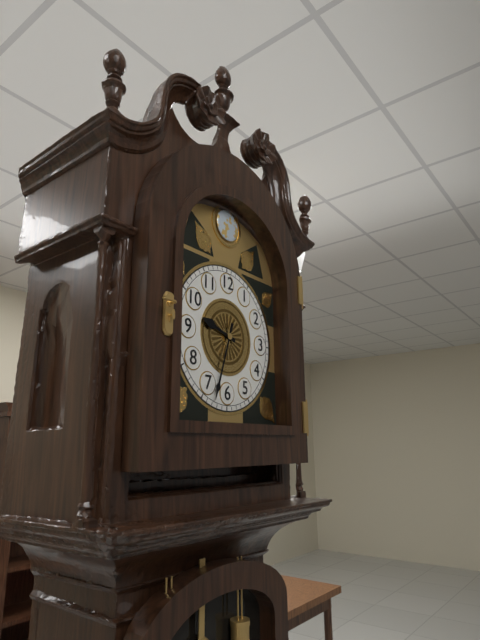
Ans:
9h33
